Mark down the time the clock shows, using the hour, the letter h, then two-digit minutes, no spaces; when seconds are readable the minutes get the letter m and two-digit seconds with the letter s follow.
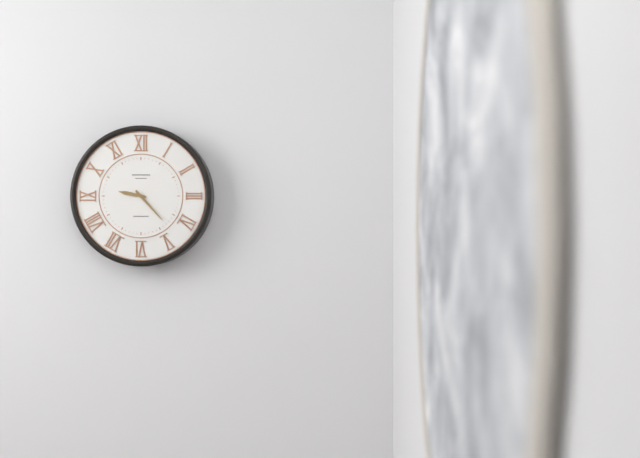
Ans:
9h23
